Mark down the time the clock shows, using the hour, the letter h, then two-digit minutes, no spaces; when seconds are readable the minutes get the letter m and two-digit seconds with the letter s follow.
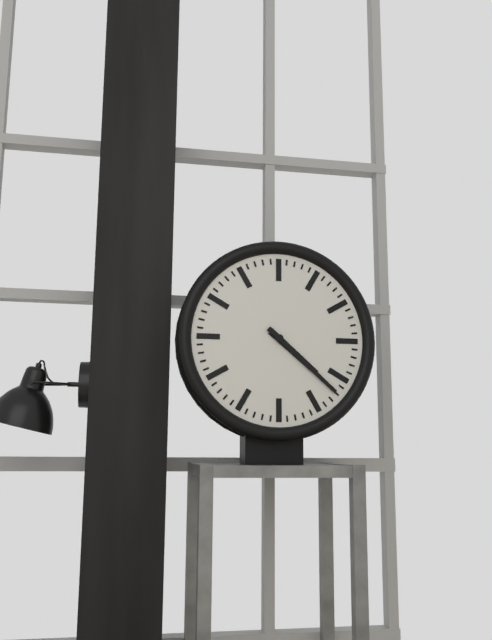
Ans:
4h22
